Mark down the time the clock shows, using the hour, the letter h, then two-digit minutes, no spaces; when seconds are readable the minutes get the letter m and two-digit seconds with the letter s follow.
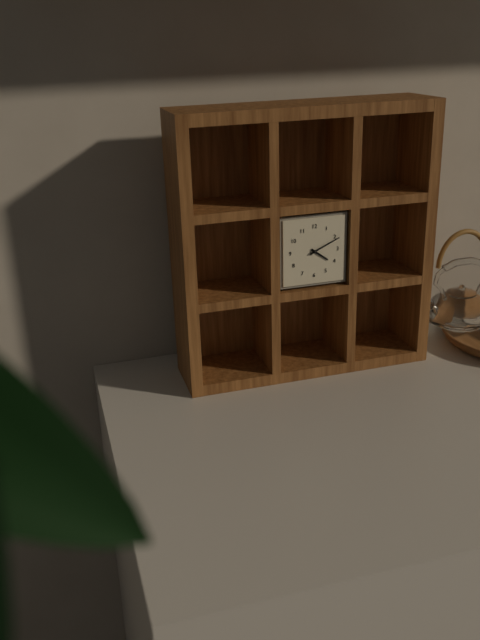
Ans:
4h11
